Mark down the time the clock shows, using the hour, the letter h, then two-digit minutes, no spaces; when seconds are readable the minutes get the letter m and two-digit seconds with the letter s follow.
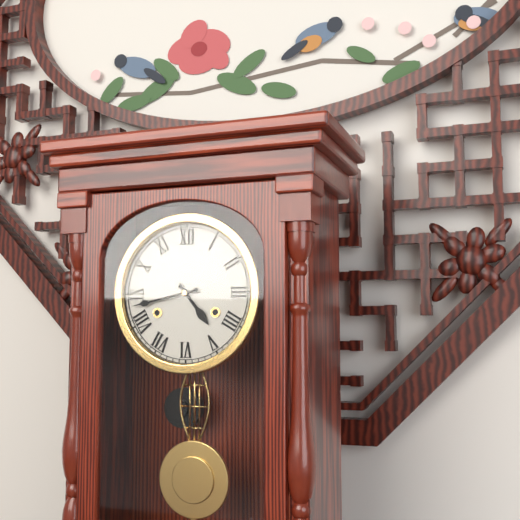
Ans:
4h43
